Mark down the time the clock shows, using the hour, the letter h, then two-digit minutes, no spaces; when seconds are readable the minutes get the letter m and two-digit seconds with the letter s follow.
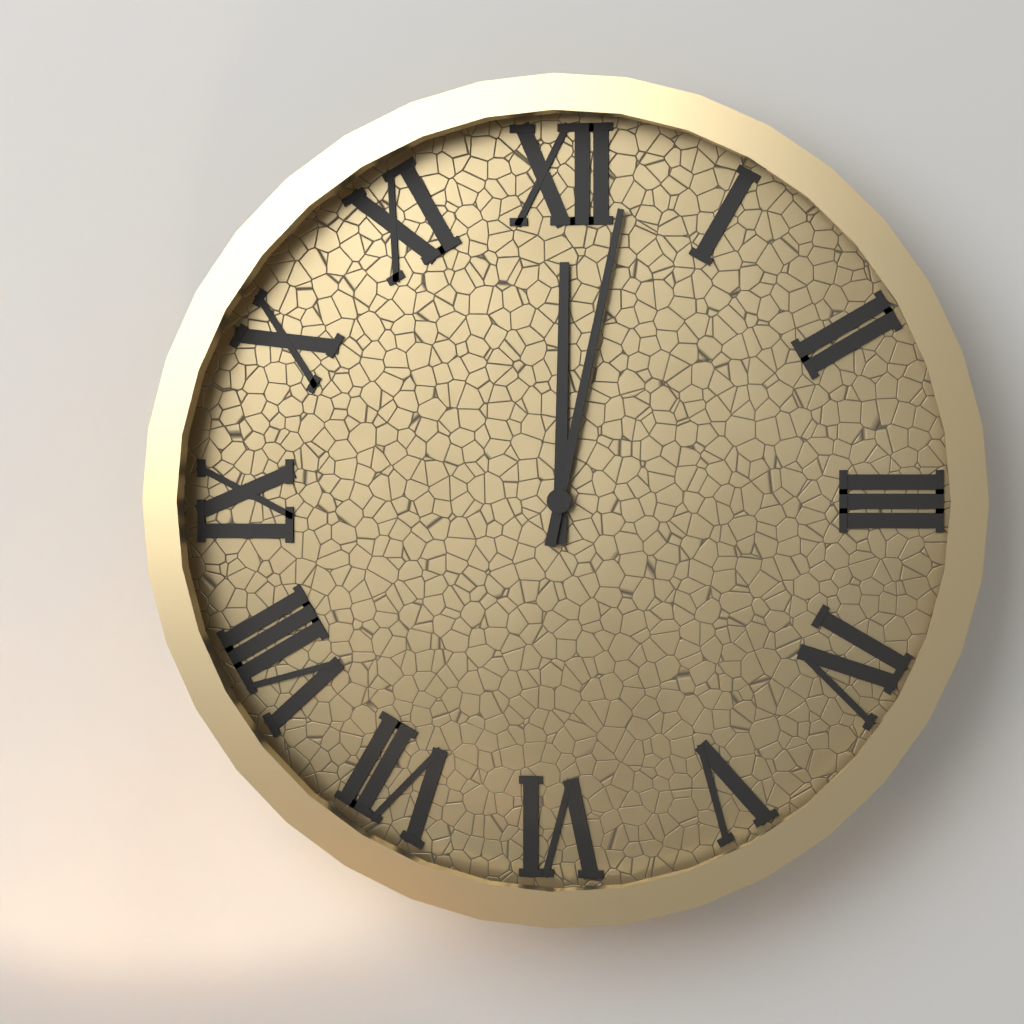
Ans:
12h02
